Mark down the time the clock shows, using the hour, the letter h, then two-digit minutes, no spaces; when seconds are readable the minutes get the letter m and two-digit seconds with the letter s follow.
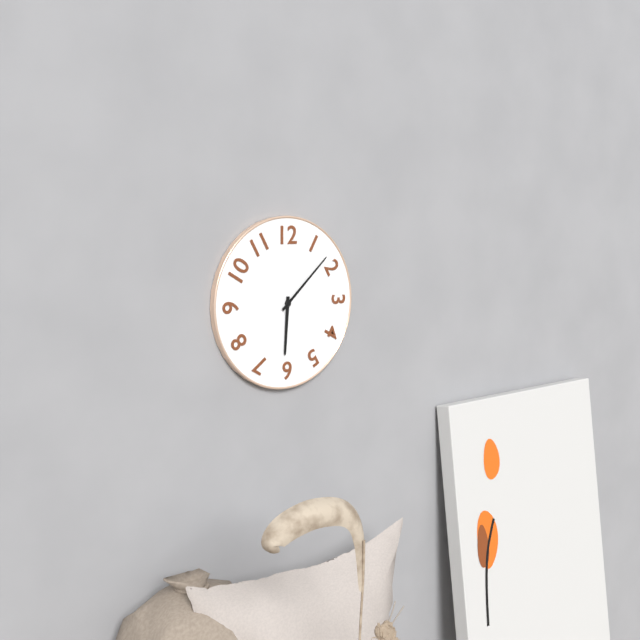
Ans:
6h08
